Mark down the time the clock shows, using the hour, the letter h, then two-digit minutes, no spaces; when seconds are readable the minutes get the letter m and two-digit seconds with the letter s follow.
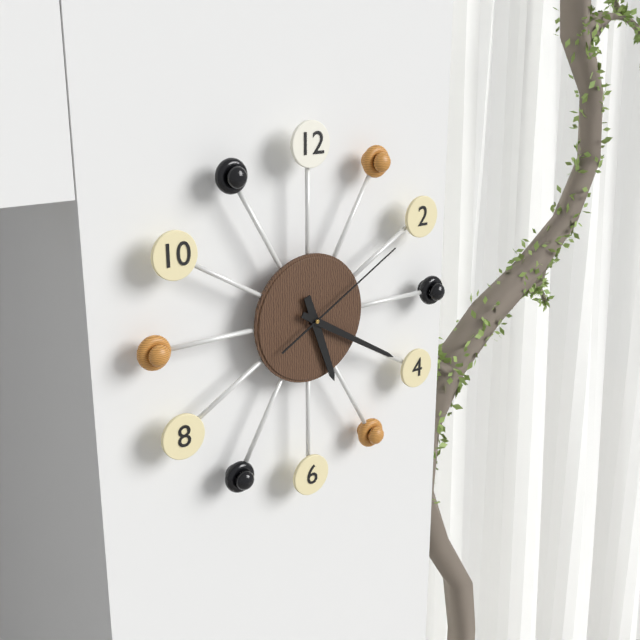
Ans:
5h20m10s
